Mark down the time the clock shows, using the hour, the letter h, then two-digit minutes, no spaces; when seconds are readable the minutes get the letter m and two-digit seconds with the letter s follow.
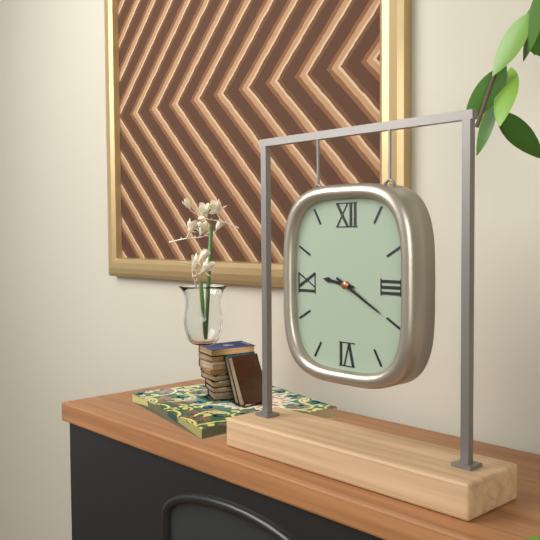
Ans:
9h20
